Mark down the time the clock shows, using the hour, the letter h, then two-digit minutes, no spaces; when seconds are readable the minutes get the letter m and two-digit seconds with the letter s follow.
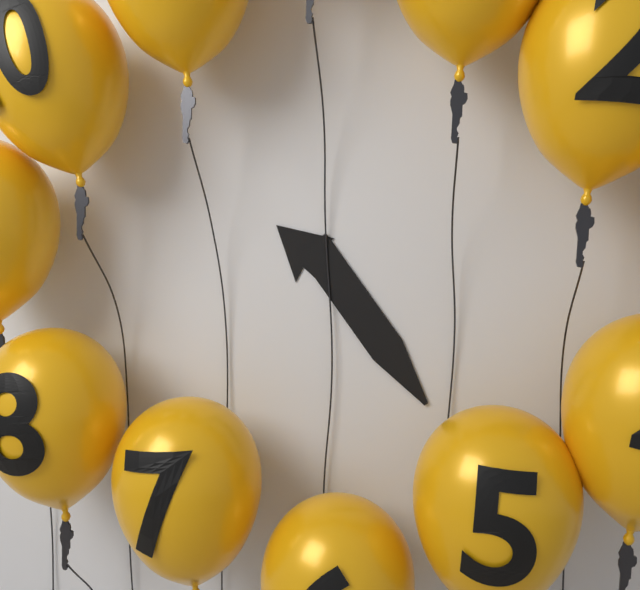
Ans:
10h24
